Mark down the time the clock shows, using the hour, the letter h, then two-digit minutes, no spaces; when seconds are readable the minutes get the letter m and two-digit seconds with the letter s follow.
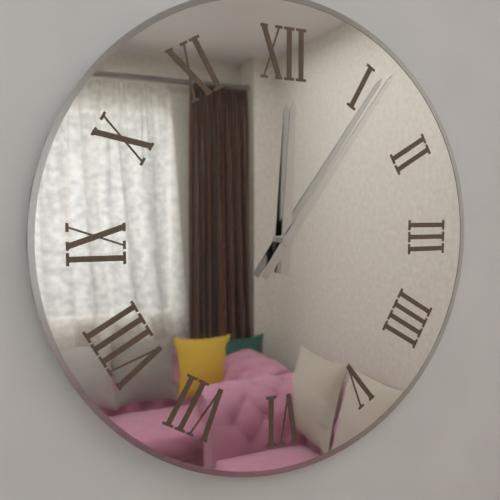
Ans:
12h06
